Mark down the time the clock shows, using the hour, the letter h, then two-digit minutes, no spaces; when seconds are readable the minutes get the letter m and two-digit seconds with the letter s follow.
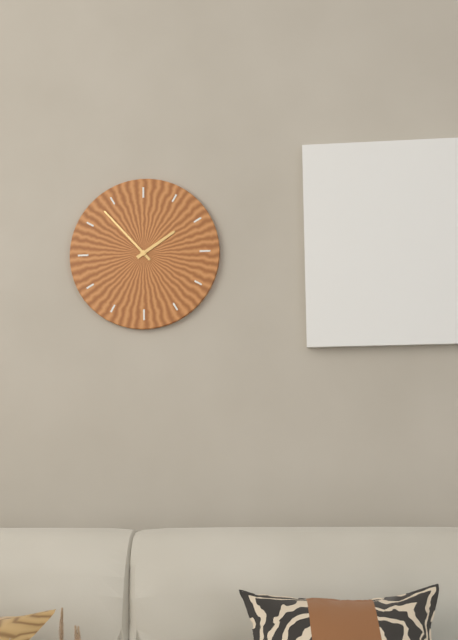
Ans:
1h53
